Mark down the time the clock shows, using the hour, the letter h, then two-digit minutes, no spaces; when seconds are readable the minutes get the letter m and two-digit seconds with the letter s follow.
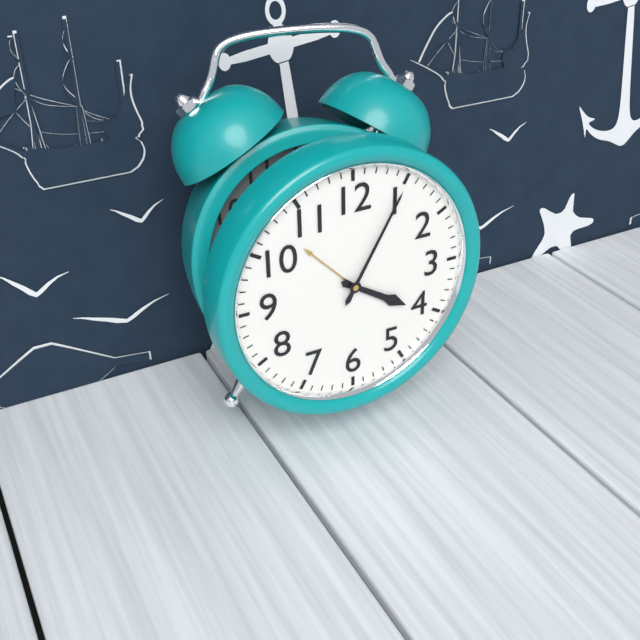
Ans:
4h05
